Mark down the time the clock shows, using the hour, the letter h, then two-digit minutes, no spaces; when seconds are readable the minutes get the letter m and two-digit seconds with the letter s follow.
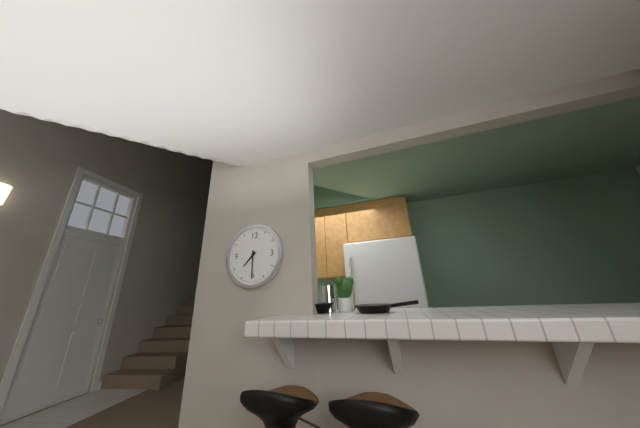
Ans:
7h30
